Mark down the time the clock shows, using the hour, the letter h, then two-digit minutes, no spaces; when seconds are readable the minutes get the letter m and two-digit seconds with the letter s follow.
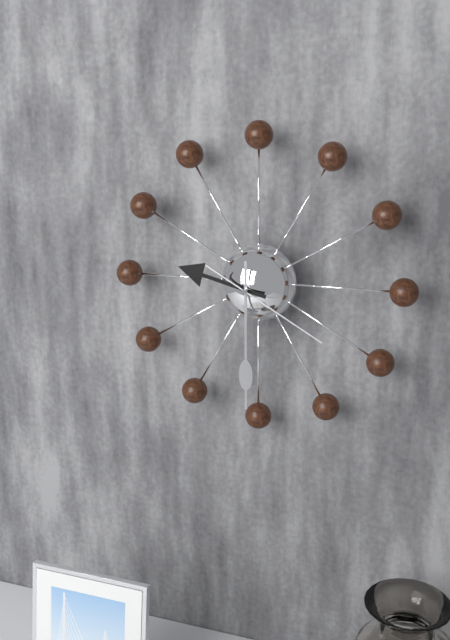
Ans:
9h30m20s
